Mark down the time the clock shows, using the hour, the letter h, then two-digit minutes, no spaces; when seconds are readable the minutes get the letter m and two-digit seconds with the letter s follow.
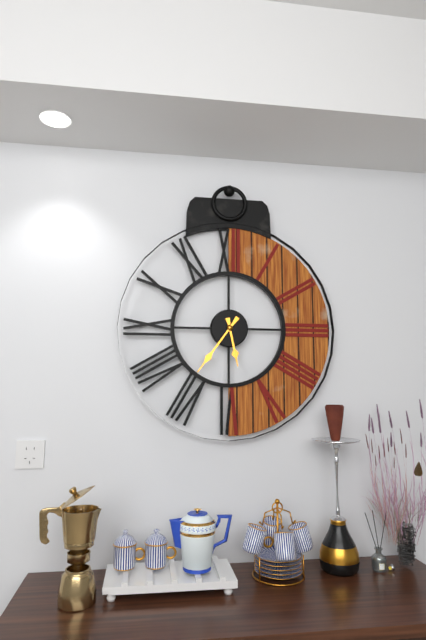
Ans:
5h36
